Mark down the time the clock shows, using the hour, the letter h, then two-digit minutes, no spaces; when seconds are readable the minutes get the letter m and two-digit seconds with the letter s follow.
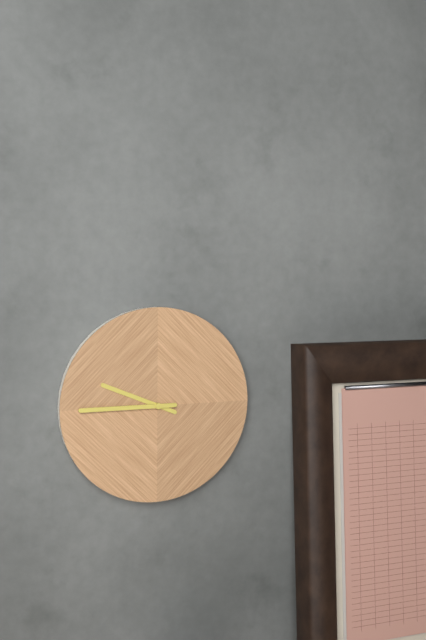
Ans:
9h45
